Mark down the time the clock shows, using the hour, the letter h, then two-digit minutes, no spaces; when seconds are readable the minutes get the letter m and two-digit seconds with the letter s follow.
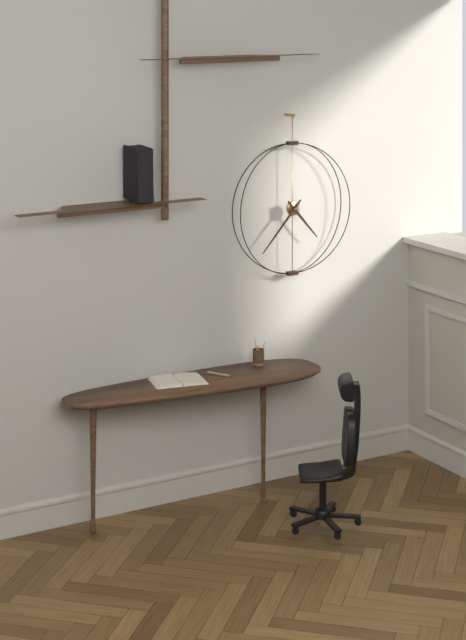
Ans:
4h37
